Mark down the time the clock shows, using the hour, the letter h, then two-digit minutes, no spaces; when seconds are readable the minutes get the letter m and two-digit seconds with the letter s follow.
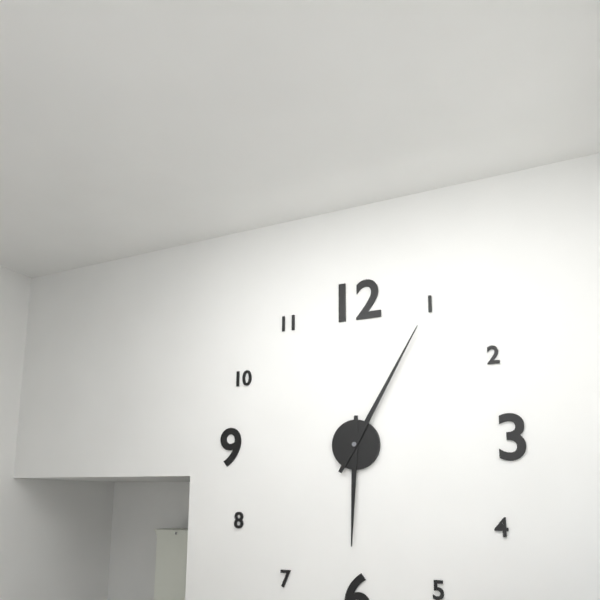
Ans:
6h05
